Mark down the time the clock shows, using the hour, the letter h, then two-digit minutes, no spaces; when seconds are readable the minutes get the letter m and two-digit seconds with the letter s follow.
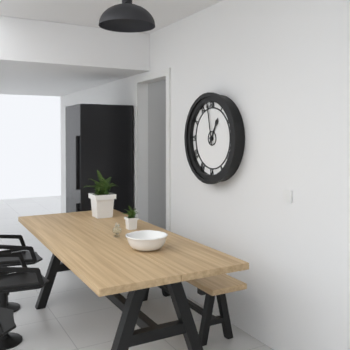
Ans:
12h58
